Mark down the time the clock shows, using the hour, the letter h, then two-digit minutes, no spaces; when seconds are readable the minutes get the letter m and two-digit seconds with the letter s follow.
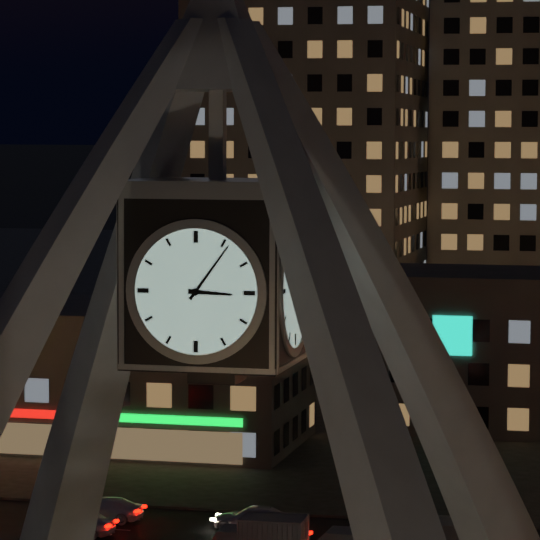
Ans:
3h06
